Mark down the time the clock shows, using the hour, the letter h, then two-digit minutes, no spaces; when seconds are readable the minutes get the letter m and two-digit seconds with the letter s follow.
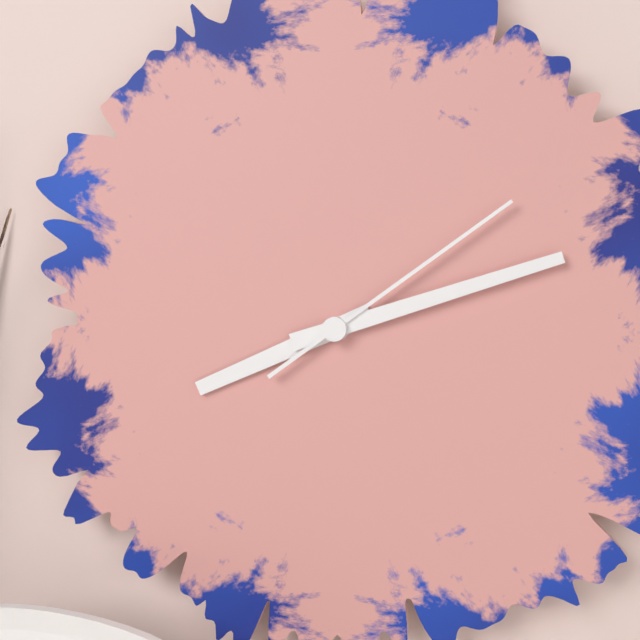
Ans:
8h12m09s
